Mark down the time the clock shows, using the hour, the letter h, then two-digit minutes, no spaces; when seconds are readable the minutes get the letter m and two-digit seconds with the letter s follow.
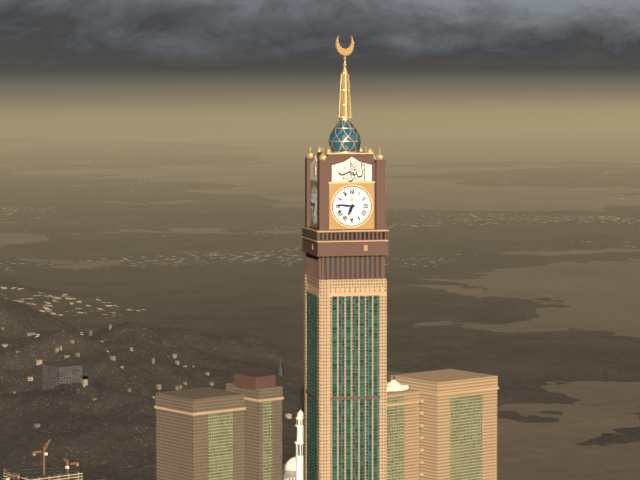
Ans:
6h46
